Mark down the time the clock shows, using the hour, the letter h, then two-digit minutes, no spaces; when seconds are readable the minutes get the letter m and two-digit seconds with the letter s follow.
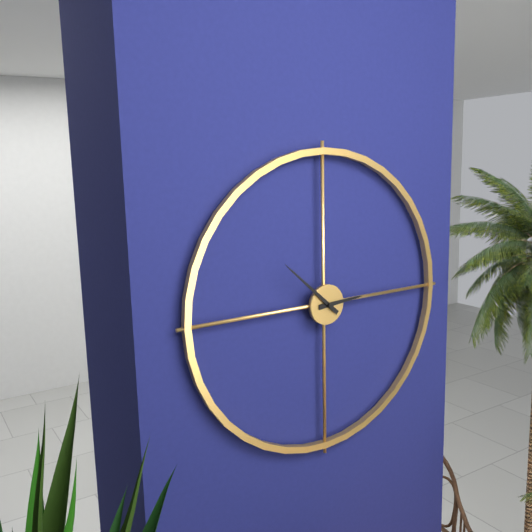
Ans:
2h52
